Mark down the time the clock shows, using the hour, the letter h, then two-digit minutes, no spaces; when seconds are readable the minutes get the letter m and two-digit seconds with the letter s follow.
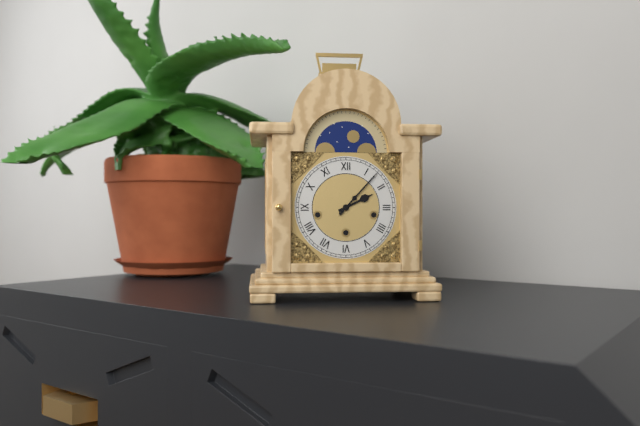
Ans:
2h07
